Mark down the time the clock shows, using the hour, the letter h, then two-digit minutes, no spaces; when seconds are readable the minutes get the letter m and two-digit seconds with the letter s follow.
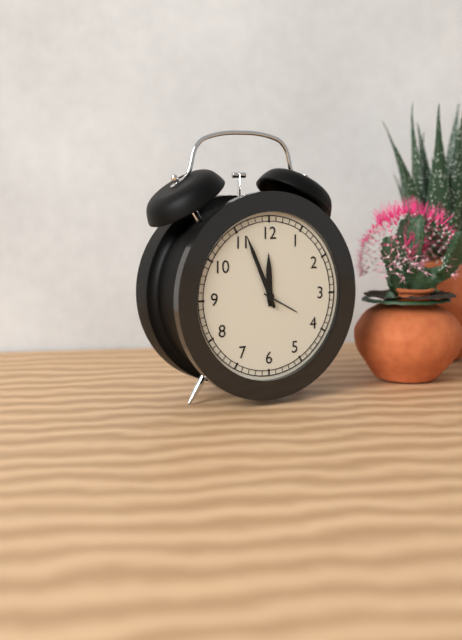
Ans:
11h56
